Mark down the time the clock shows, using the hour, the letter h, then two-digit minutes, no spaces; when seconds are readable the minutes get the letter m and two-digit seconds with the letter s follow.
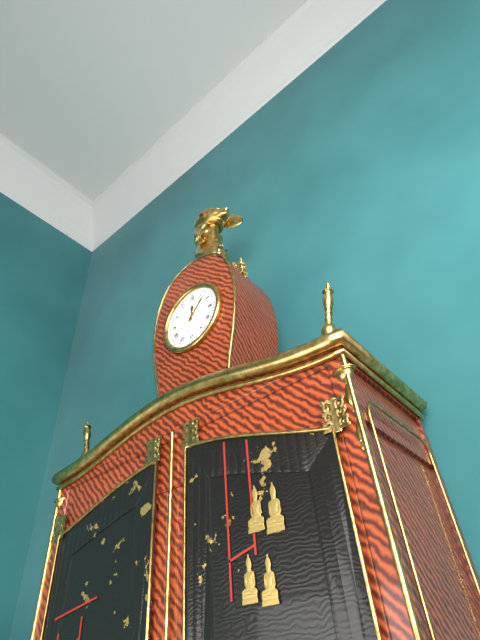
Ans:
12h07
